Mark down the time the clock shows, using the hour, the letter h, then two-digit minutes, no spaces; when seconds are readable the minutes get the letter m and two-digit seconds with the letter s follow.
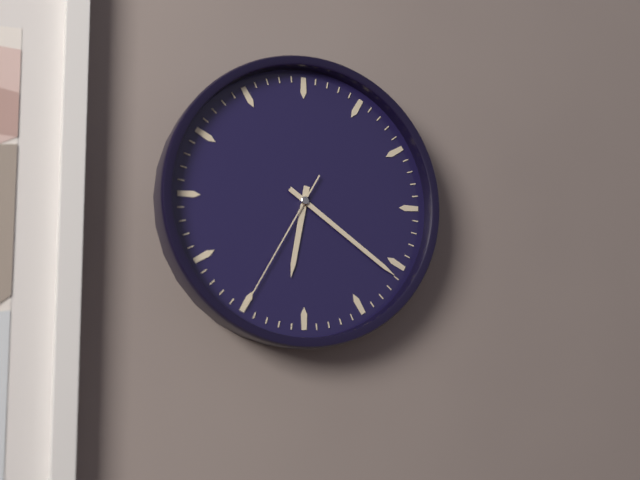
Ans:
6h21m35s
